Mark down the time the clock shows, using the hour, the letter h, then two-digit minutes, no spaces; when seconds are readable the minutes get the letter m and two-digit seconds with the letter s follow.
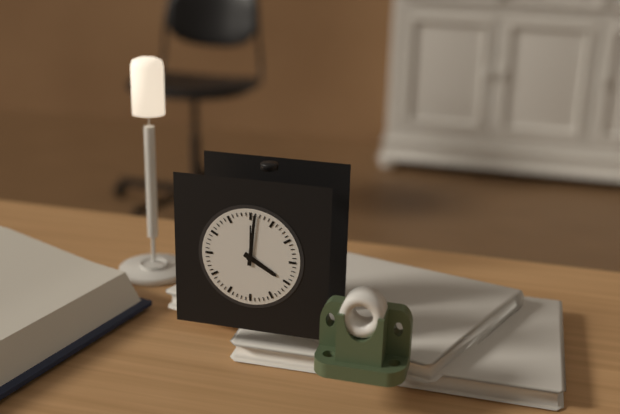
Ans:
4h01
